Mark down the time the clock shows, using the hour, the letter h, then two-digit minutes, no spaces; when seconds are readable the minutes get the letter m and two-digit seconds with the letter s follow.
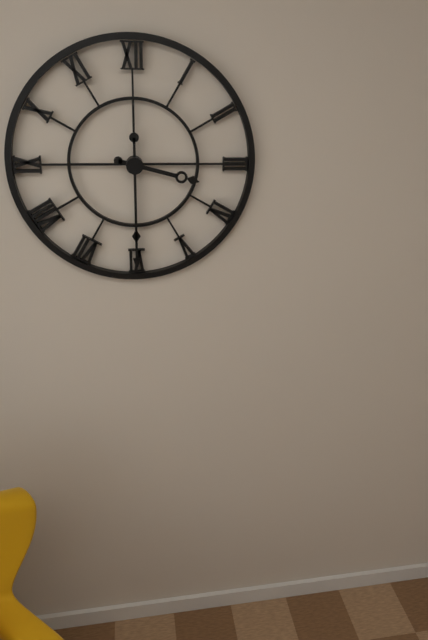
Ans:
3h30
